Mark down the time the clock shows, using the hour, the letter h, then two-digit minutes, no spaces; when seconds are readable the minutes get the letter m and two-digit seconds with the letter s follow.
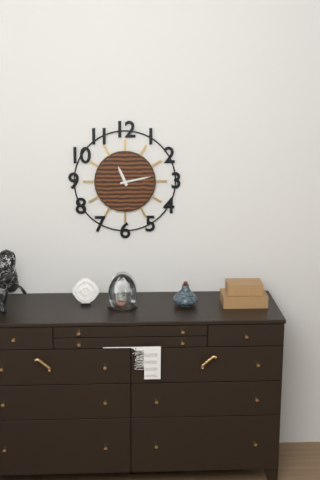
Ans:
11h13
